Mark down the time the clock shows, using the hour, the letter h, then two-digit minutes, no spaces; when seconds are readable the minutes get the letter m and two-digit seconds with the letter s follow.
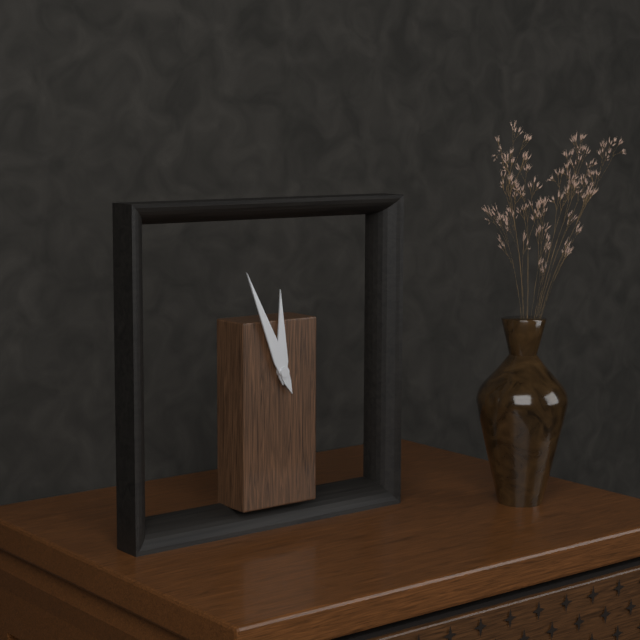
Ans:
11h56
